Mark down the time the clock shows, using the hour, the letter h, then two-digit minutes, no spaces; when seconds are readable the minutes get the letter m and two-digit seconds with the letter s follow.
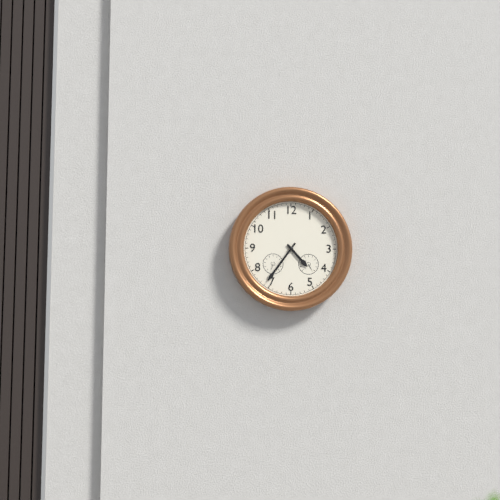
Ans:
4h36
